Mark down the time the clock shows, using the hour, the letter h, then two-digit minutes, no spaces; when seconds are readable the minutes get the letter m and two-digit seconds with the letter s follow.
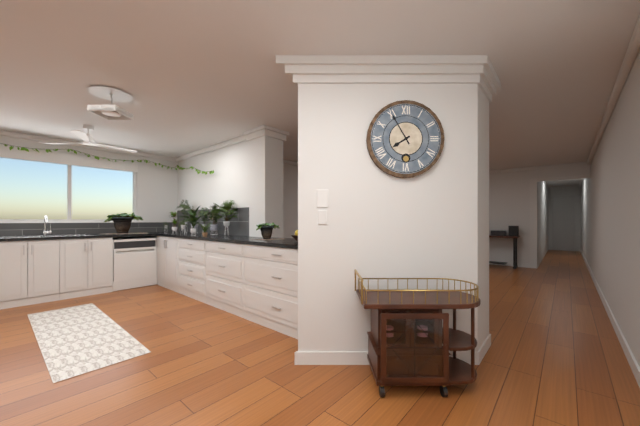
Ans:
7h55
